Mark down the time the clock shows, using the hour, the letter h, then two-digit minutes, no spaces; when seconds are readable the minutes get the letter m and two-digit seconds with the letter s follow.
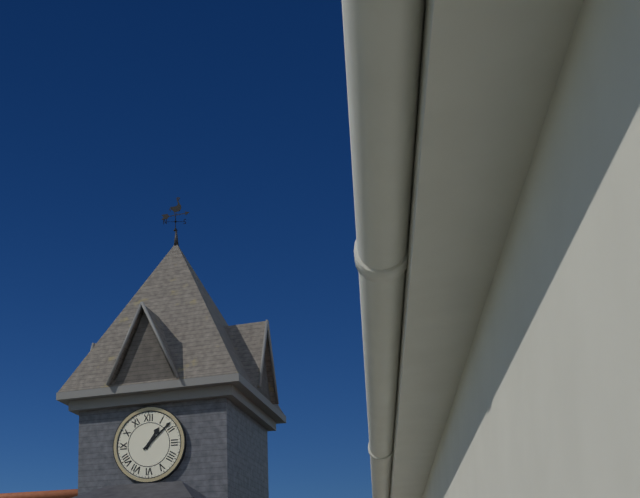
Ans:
1h08
